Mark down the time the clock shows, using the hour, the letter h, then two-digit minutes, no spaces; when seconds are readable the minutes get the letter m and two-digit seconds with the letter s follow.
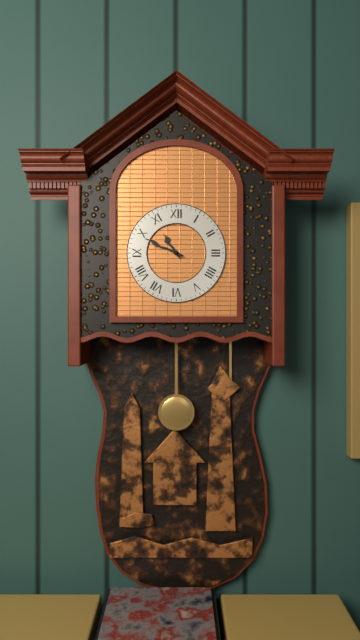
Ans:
10h49
